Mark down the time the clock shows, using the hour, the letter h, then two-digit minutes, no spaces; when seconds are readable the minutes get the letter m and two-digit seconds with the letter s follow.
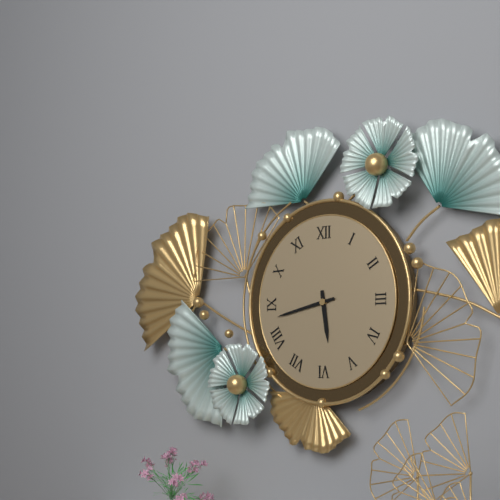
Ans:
5h43
